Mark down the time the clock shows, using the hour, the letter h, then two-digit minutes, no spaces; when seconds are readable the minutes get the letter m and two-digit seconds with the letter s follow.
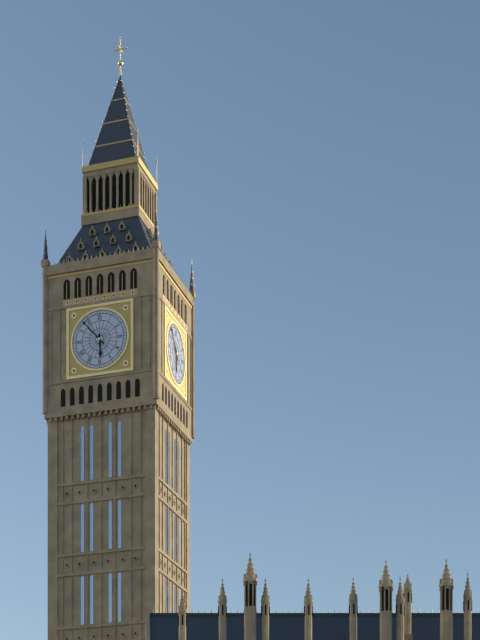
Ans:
5h53
